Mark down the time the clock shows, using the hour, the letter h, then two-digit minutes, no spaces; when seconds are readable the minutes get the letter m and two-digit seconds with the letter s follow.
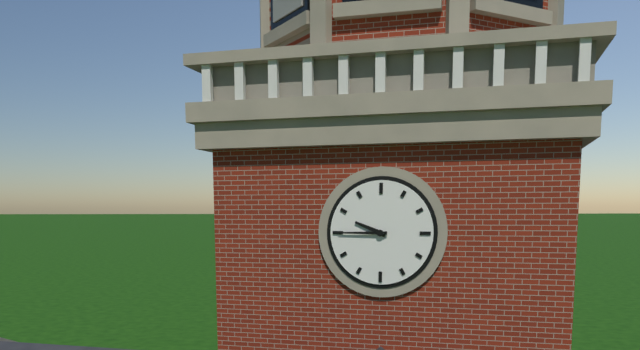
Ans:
9h45
